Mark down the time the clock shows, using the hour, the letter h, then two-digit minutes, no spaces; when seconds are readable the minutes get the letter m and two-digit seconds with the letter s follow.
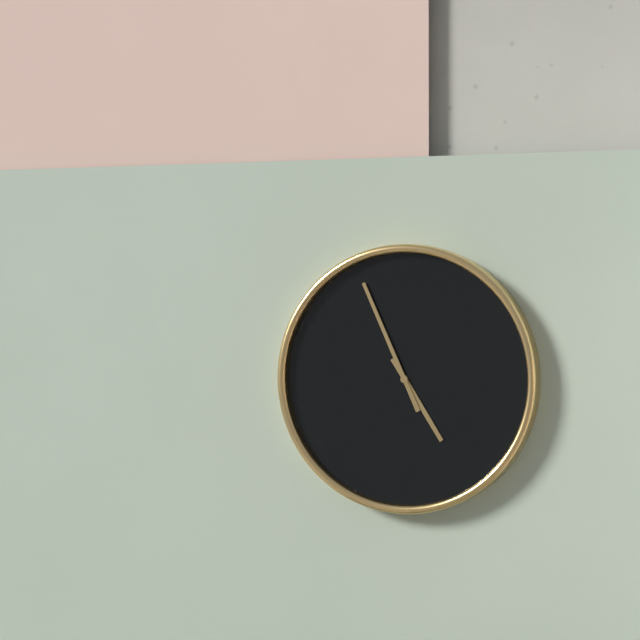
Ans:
4h56
